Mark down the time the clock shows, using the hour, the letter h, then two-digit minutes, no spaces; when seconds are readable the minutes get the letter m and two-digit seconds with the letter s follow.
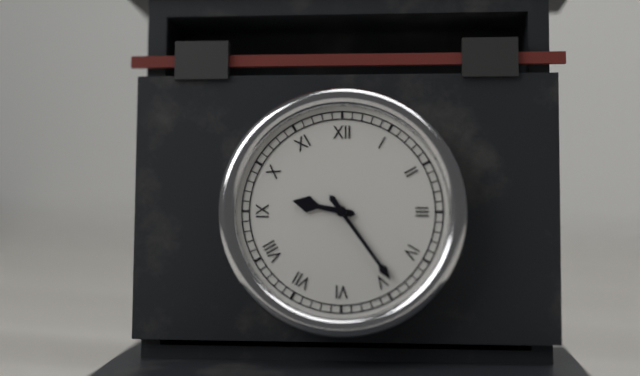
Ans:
9h24
